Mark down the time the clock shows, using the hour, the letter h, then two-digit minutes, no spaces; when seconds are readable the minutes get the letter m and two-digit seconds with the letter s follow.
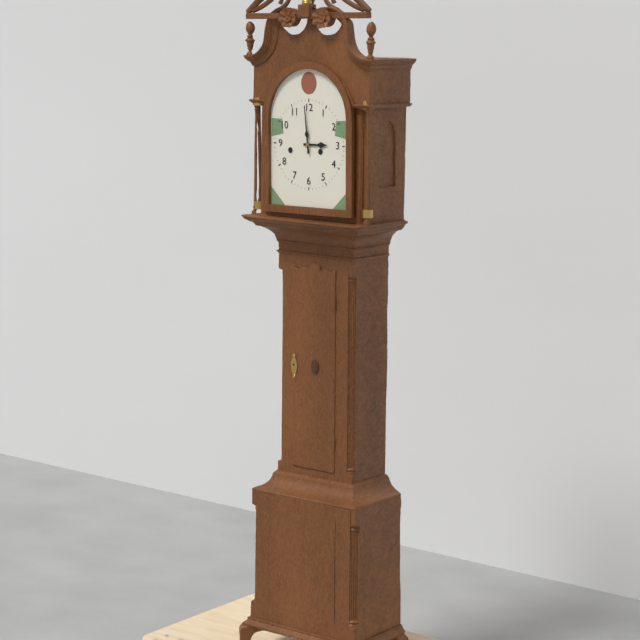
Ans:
2h59
